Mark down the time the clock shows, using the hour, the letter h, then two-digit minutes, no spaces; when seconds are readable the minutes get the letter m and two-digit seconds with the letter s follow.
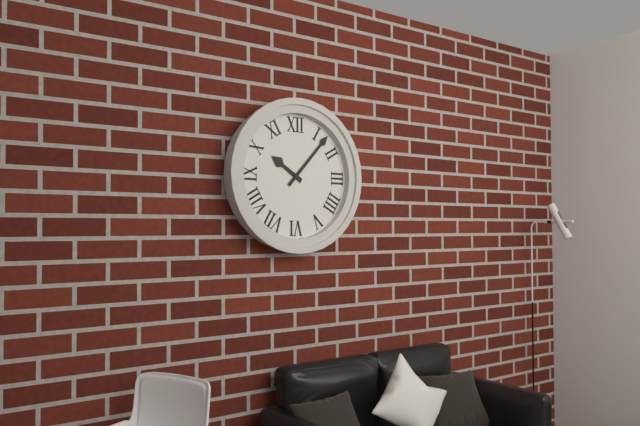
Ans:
10h07
